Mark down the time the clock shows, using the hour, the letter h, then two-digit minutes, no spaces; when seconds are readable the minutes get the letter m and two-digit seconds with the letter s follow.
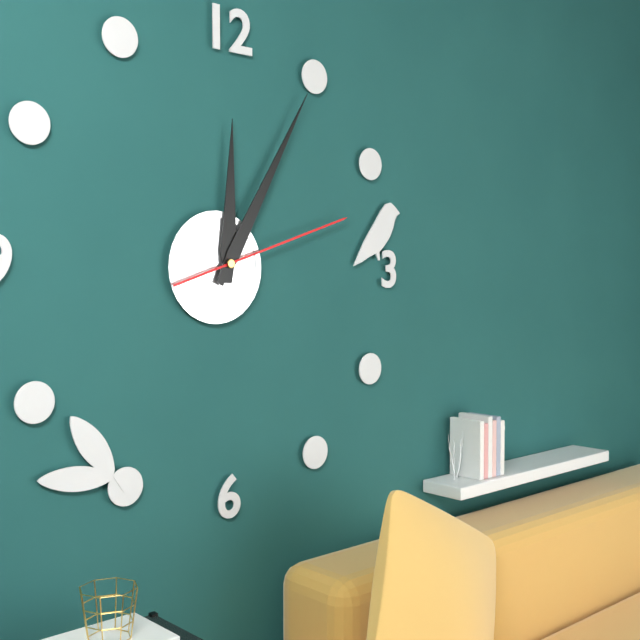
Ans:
12h05m12s
